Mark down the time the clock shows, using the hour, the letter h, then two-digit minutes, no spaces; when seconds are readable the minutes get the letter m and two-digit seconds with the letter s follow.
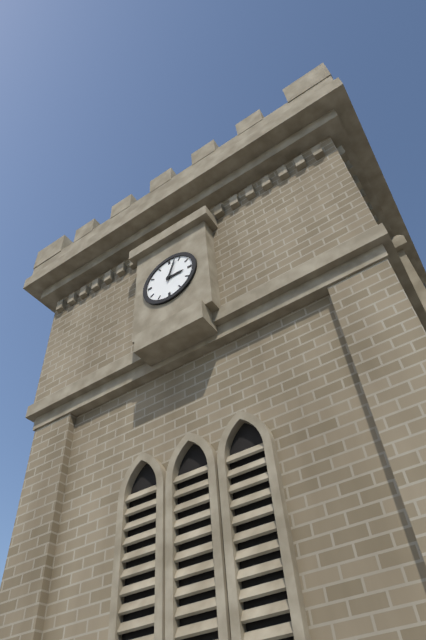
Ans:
3h03
